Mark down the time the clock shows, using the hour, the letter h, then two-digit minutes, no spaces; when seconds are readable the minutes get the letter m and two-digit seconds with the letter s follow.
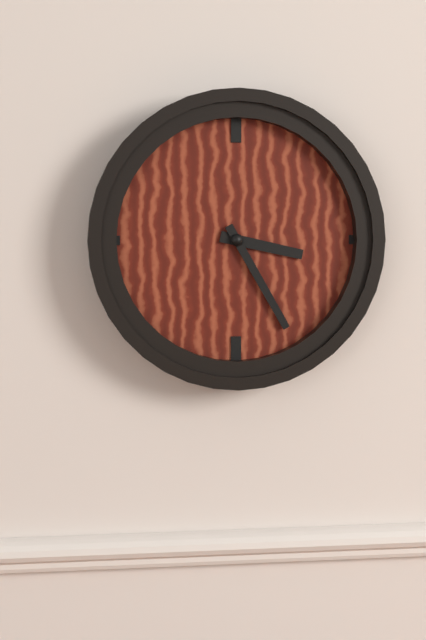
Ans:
3h25
